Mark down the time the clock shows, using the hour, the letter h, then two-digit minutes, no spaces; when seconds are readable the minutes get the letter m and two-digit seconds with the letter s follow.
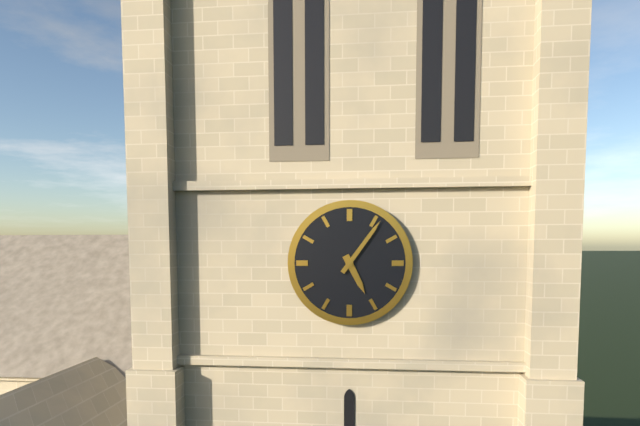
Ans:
5h06
